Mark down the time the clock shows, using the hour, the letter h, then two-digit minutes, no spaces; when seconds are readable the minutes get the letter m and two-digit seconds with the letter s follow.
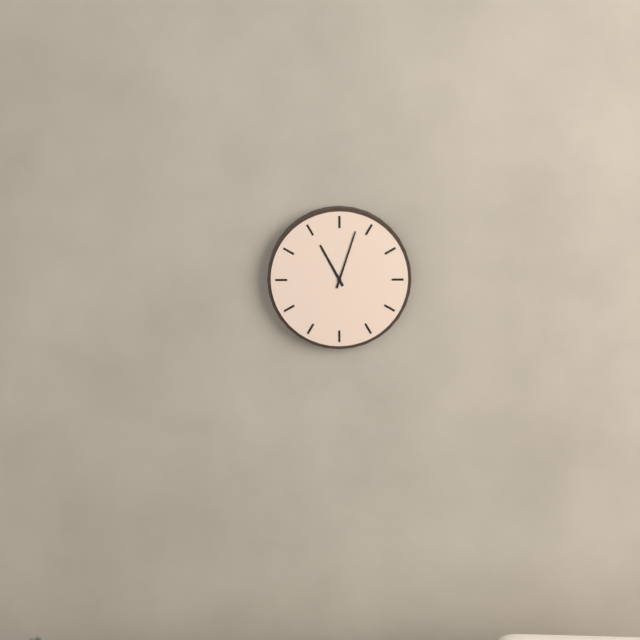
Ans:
11h03
